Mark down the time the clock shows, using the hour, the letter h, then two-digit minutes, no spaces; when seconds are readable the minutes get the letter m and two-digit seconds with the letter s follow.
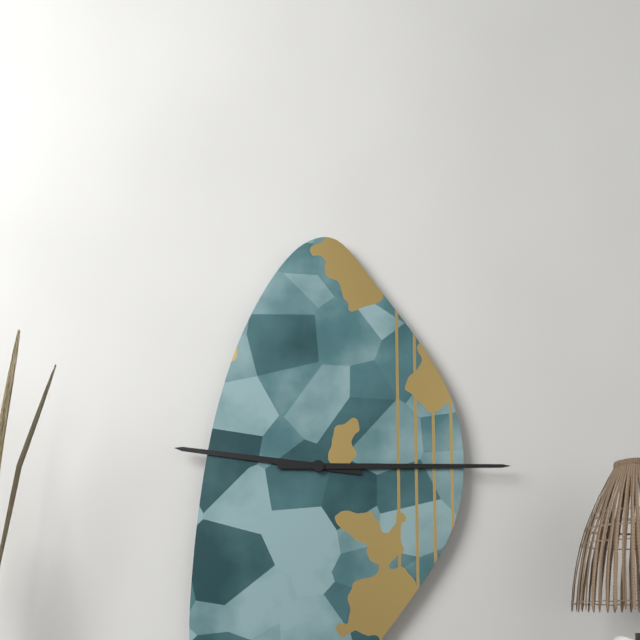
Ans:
9h15
